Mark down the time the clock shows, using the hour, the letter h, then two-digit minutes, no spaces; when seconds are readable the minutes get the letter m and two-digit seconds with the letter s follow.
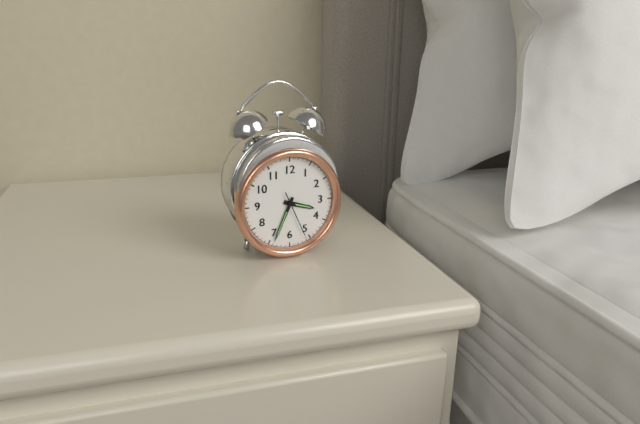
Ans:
3h34
